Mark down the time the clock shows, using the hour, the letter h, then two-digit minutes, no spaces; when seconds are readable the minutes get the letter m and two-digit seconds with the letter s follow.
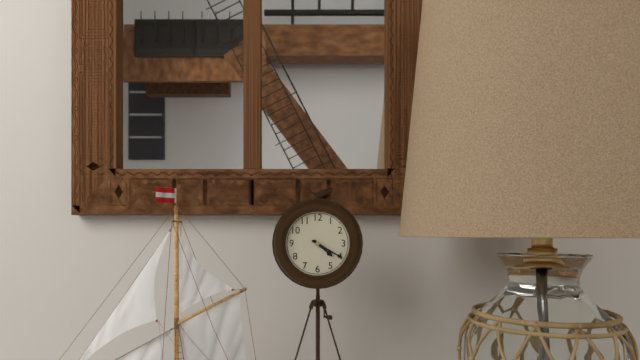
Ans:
4h20
